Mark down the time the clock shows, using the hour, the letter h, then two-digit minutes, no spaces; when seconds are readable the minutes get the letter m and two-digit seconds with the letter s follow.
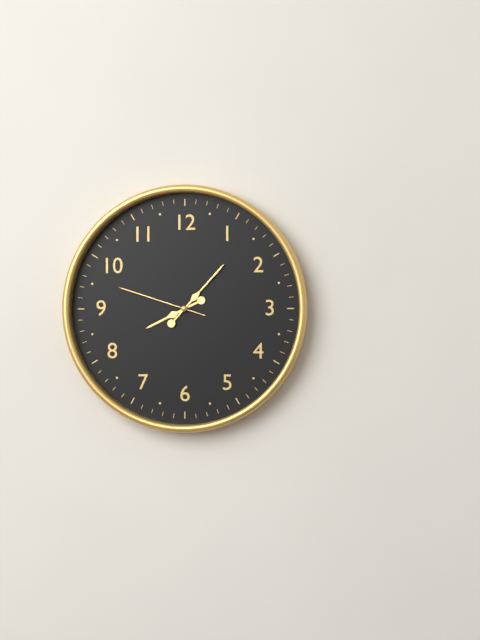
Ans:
8h07m48s
